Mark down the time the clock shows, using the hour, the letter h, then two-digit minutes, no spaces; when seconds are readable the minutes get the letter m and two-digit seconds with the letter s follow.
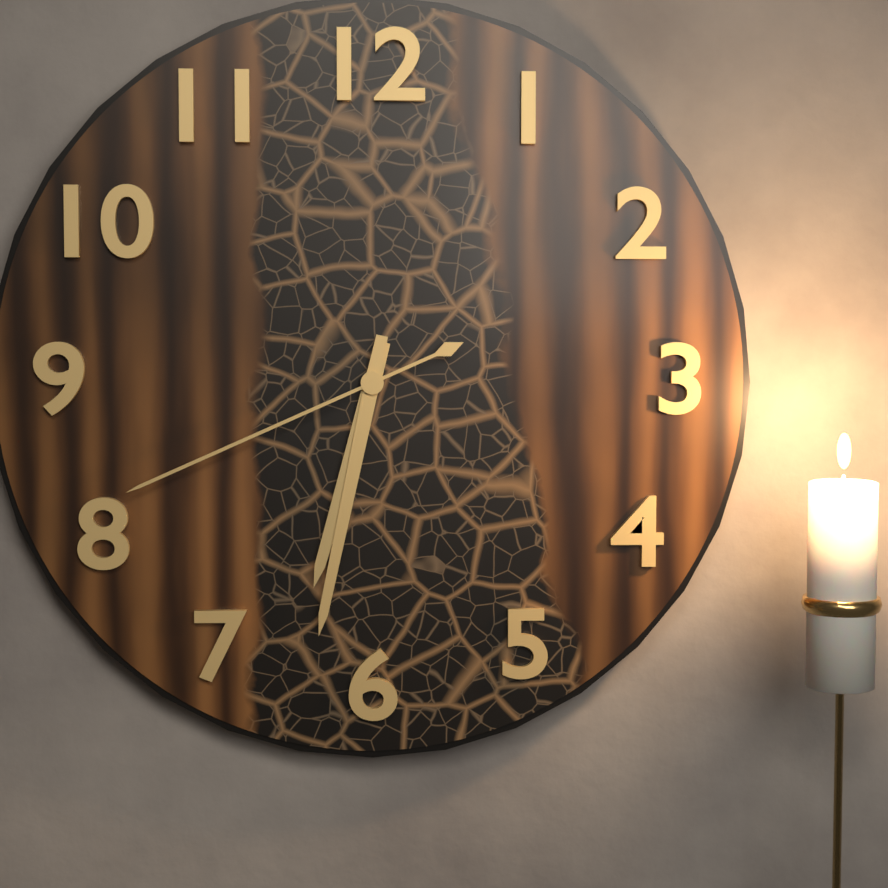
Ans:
6h32m41s
